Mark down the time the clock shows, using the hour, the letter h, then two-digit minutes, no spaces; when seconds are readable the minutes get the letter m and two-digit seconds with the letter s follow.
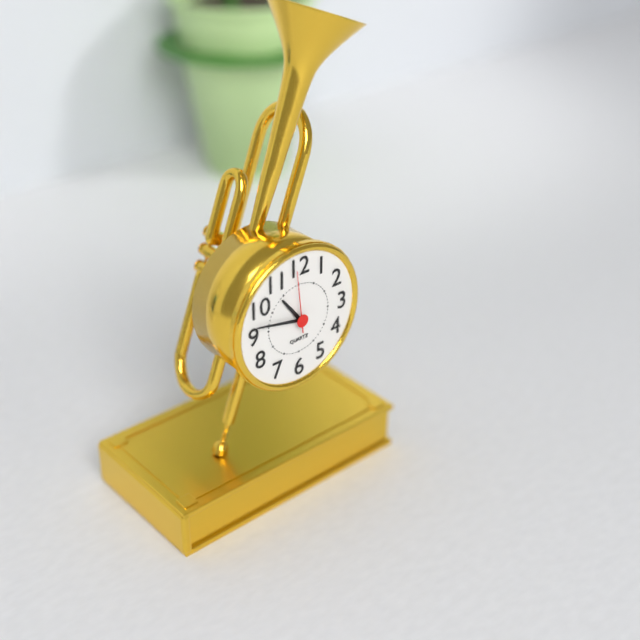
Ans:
10h47m59s
